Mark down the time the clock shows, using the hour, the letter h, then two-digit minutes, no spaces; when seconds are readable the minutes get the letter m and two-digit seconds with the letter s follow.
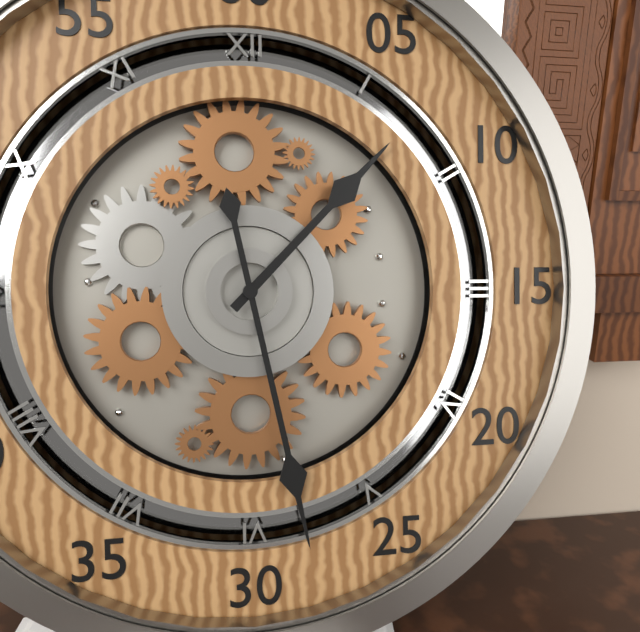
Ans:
1h28
